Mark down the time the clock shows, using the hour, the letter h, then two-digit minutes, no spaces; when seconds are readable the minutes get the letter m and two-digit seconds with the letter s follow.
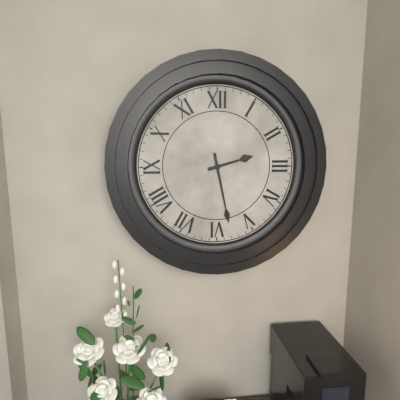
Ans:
2h28
